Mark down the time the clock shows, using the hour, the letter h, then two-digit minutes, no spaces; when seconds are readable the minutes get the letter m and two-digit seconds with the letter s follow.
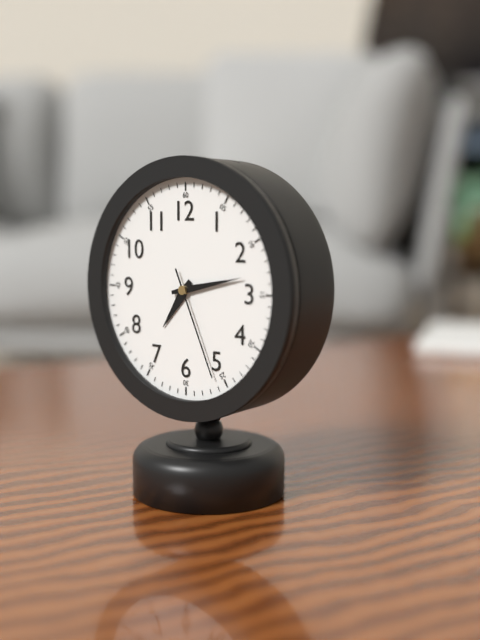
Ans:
7h13m26s
